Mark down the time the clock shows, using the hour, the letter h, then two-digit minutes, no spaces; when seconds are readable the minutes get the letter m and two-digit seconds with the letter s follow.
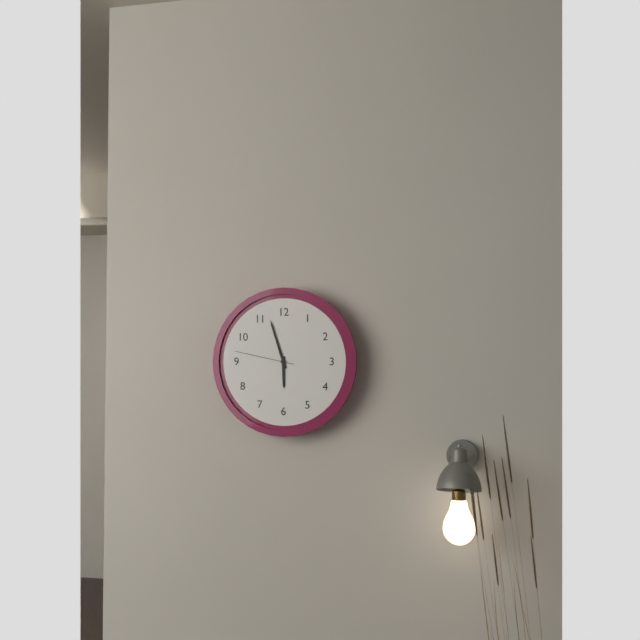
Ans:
5h57m47s
